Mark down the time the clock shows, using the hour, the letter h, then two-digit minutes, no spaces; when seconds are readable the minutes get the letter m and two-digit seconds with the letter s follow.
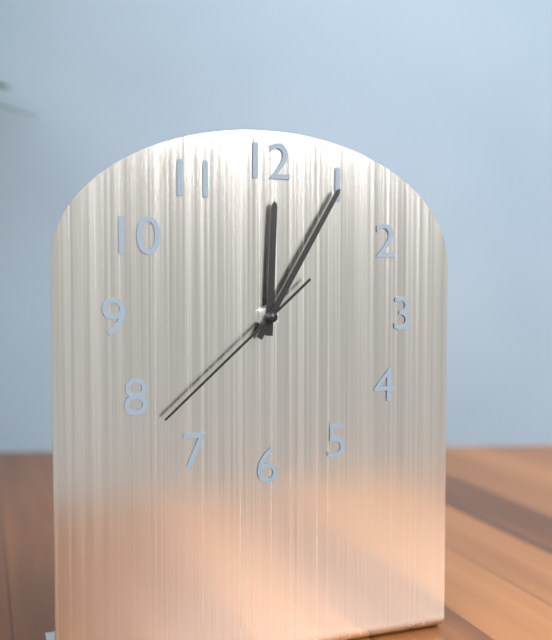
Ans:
12h05m38s
